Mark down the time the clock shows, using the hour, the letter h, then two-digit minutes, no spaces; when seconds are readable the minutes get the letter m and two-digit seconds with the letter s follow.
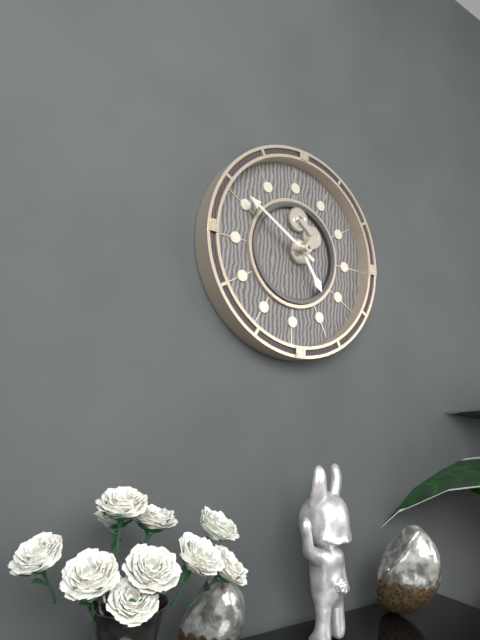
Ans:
4h50
